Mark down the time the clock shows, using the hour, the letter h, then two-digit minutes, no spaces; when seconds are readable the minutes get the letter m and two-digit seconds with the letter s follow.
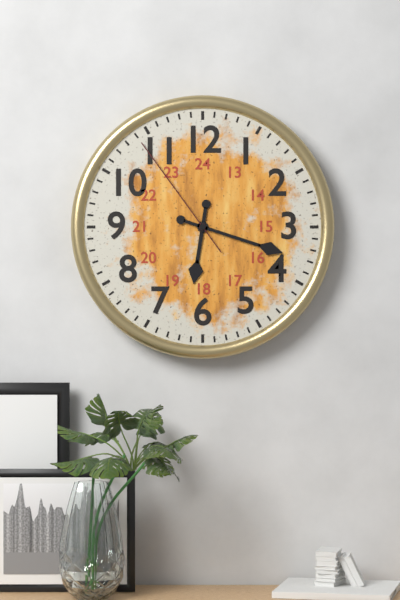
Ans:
6h18m54s
